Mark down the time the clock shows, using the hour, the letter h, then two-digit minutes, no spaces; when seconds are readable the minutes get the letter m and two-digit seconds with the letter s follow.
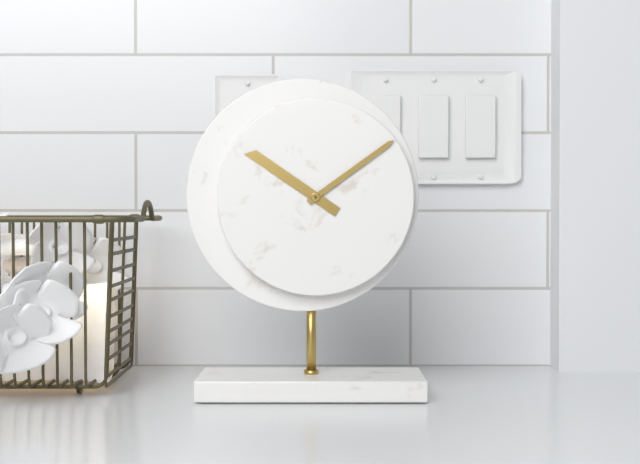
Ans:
10h09
